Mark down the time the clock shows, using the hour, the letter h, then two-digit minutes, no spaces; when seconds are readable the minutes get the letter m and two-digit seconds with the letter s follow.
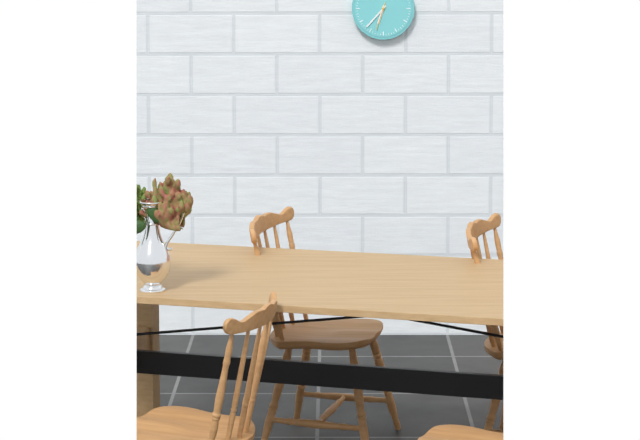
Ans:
6h37
